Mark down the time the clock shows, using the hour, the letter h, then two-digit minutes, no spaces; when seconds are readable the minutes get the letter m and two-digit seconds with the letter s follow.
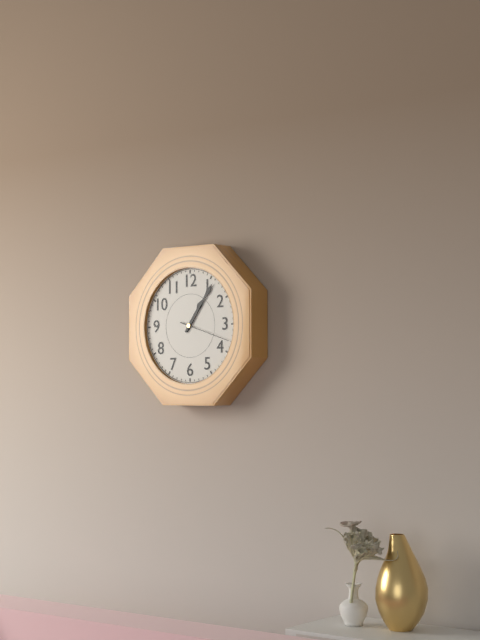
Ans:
1h06m18s
